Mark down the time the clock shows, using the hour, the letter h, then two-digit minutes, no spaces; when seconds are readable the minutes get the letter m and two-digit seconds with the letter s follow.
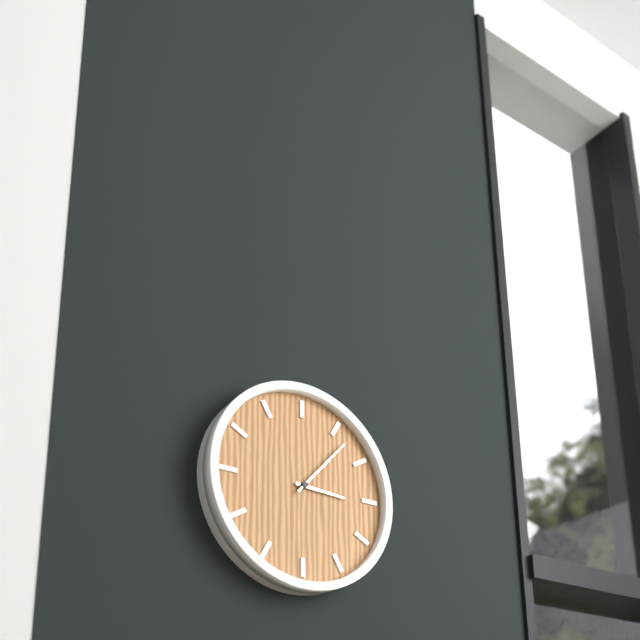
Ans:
3h07
